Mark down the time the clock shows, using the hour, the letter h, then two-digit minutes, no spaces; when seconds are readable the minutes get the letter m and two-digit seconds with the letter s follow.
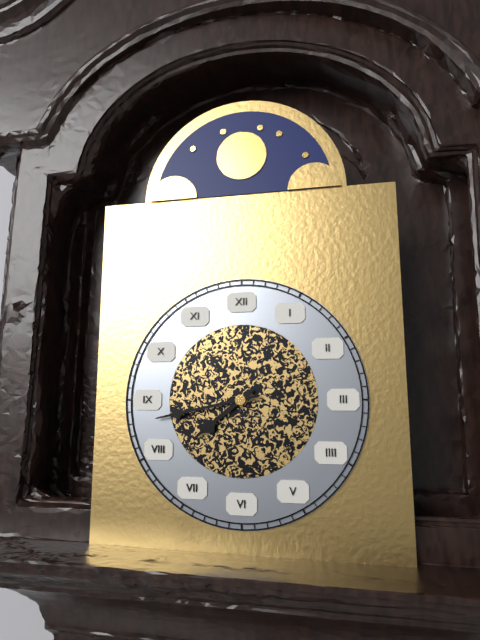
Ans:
7h43
